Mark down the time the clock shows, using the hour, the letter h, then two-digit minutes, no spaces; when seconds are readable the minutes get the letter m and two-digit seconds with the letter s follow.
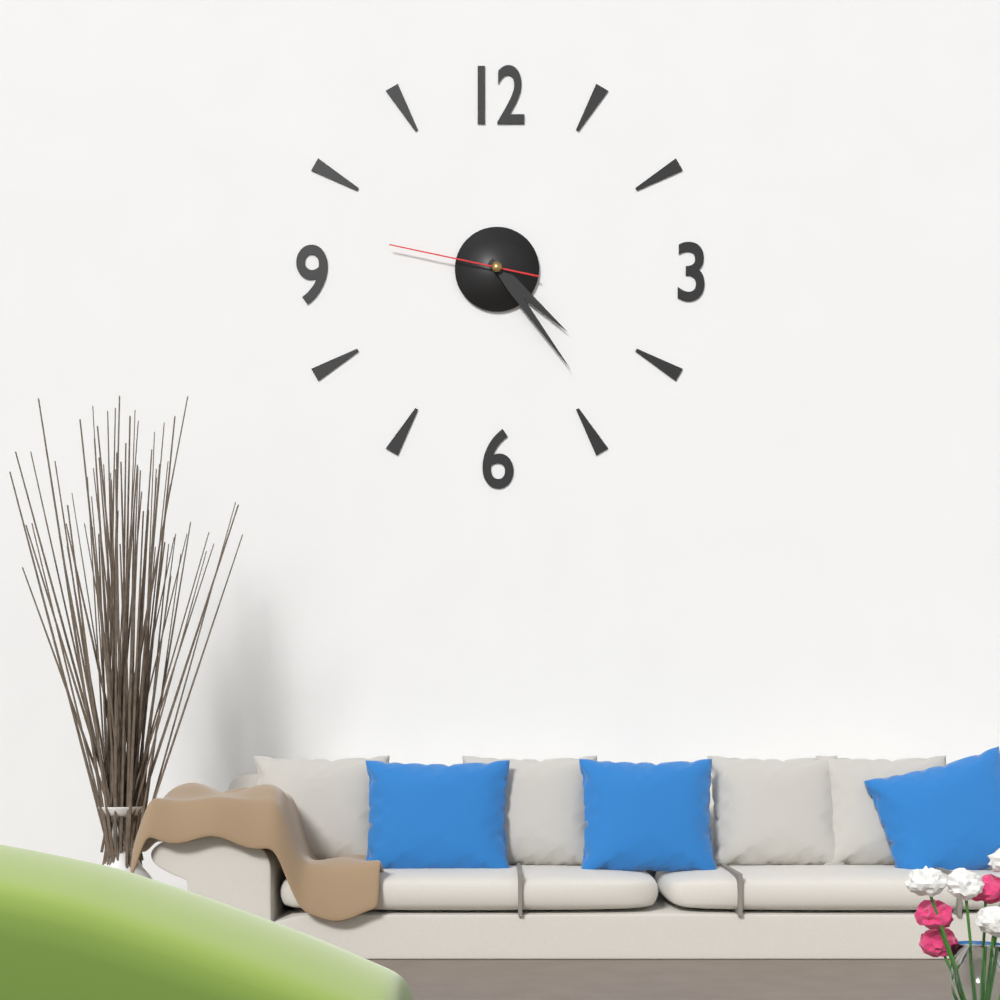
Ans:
4h24m47s
